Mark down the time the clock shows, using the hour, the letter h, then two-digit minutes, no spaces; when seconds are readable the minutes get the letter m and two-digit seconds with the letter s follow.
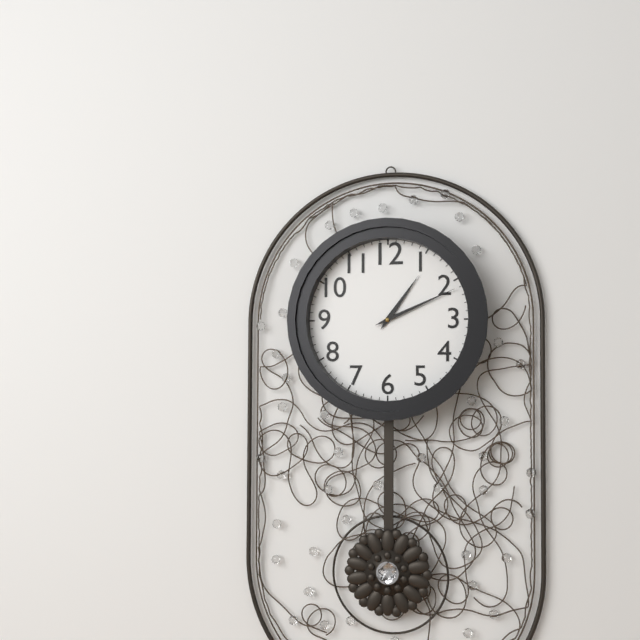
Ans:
1h11
